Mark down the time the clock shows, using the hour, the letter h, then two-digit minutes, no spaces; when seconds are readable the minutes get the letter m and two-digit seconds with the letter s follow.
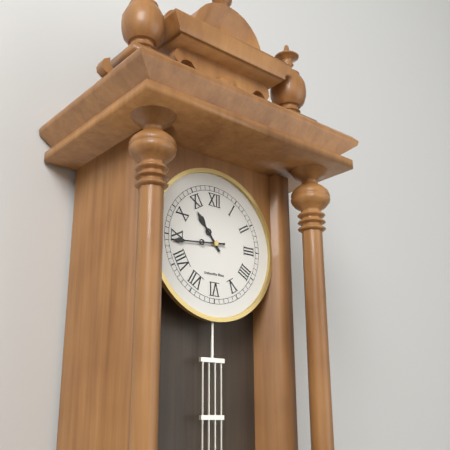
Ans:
10h44
